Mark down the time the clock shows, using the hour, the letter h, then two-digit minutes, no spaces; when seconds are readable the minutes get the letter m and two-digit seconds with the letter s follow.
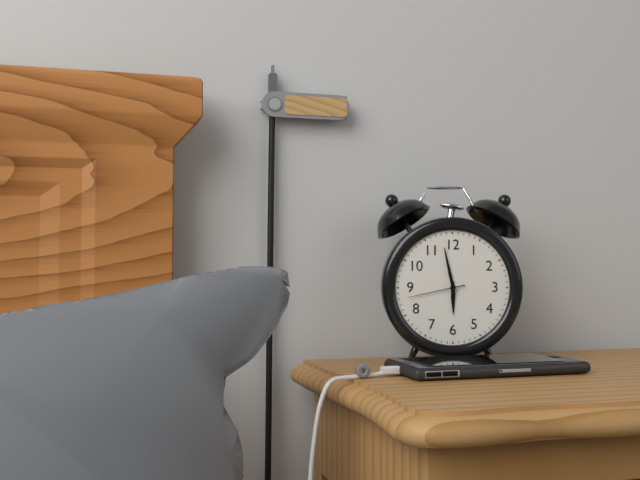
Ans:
5h58m43s
